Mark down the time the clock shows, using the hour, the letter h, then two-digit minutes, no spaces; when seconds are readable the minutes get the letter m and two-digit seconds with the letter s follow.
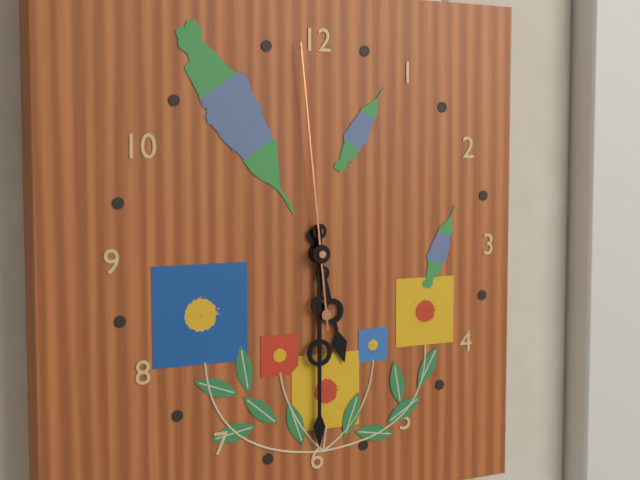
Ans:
5h30m59s
